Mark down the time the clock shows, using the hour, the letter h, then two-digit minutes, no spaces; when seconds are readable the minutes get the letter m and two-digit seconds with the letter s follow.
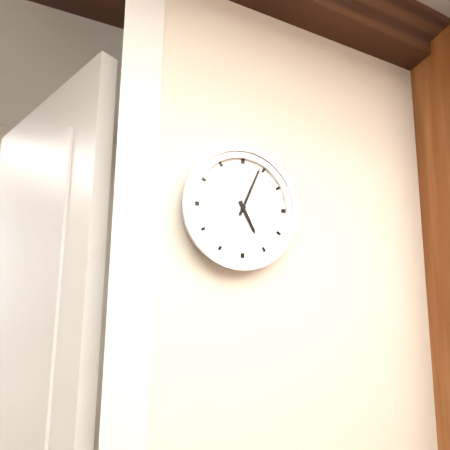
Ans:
5h04
